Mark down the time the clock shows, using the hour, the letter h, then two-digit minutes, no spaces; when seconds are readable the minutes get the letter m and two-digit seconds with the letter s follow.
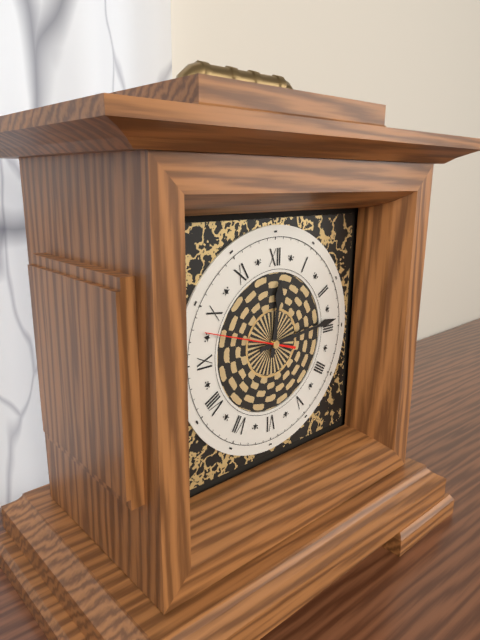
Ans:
12h14
